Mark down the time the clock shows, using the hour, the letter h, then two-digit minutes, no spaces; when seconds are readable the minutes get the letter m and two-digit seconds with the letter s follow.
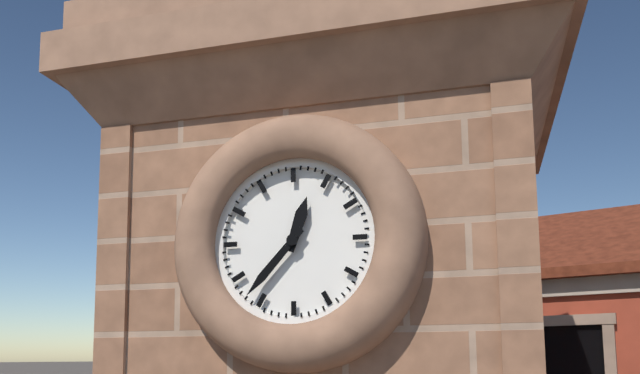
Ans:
12h37
